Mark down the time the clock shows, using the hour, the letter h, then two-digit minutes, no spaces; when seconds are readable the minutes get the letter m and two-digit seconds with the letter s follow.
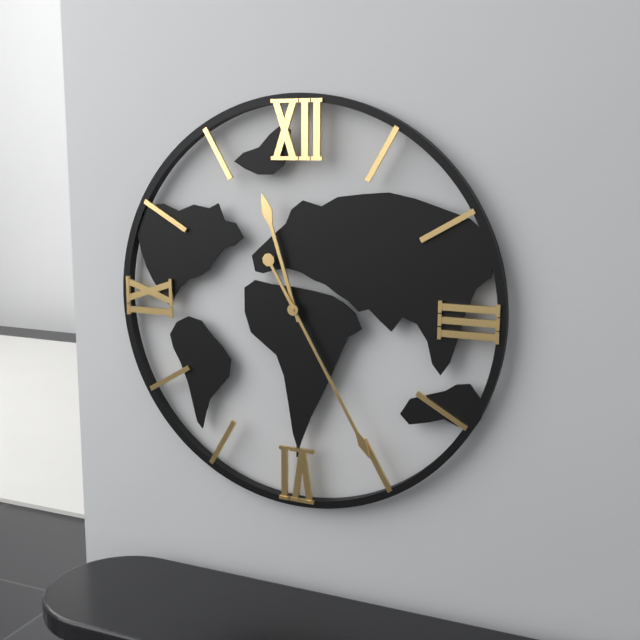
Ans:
11h25
